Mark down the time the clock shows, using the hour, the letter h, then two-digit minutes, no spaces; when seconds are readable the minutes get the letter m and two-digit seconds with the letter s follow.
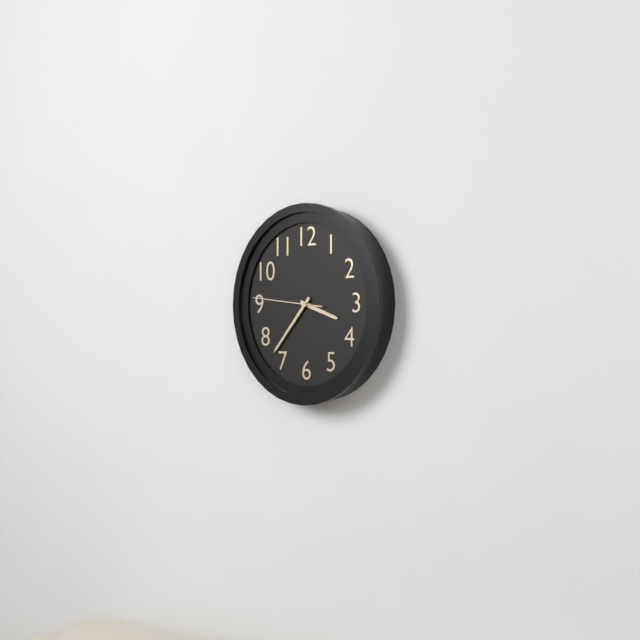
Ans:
3h37m46s
